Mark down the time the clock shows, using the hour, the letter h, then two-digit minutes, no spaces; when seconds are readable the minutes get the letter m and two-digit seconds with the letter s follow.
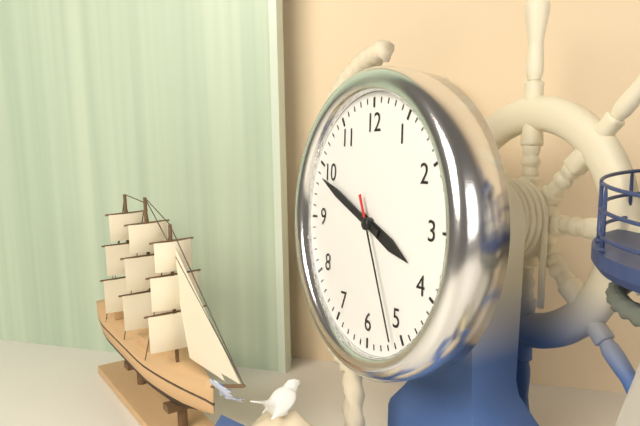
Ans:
3h49m26s
